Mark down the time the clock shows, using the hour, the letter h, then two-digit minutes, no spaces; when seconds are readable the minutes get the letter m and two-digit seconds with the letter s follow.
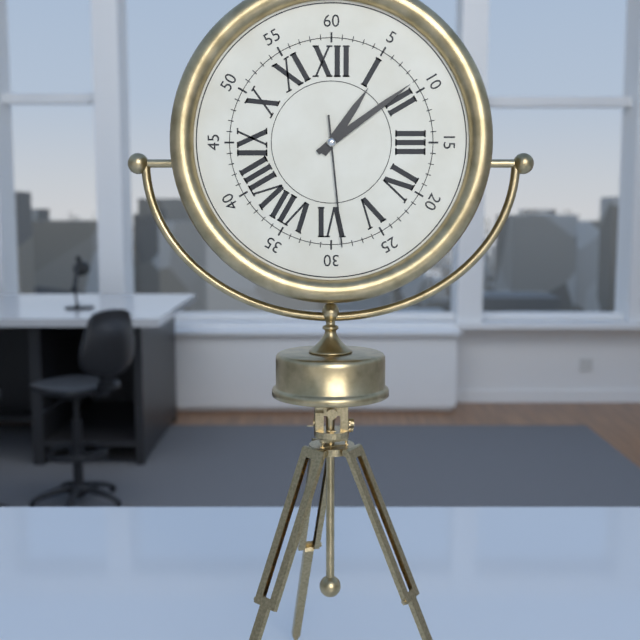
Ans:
1h09m29s
